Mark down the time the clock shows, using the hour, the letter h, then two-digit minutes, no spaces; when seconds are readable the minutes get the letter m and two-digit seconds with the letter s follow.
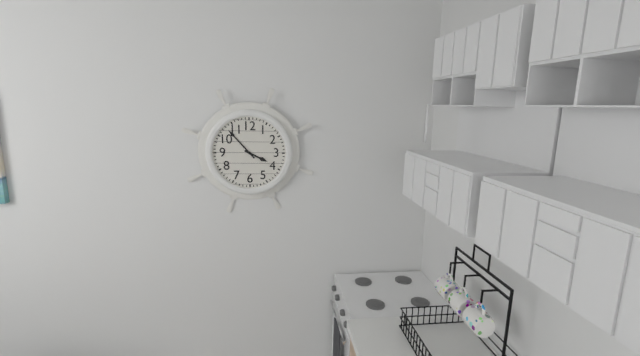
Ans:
3h53
